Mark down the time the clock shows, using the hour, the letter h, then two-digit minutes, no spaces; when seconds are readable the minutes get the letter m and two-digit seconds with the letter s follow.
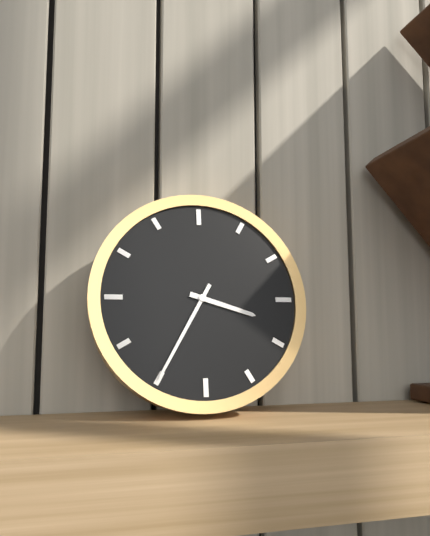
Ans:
3h35
